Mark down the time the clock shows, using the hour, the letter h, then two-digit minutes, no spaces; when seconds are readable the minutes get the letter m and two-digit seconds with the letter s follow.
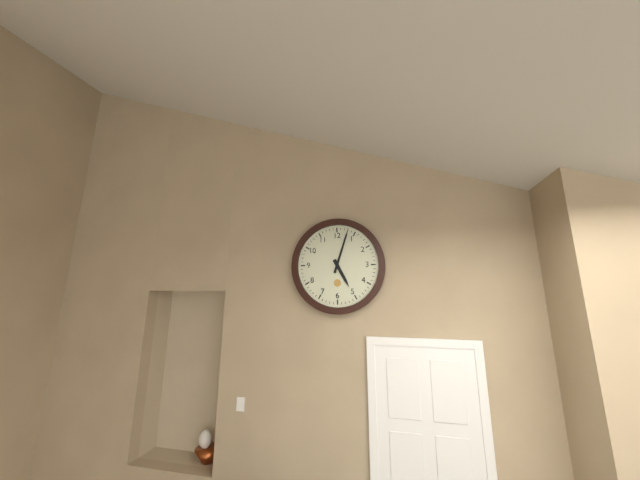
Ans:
5h03
